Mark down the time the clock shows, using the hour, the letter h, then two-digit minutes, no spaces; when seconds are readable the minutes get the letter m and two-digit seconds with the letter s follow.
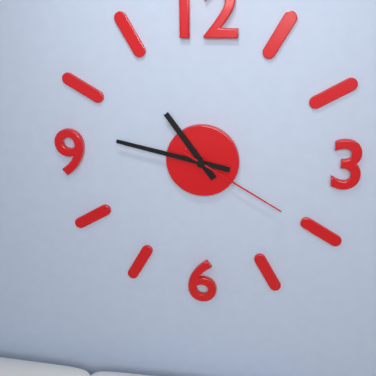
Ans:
10h47m20s
